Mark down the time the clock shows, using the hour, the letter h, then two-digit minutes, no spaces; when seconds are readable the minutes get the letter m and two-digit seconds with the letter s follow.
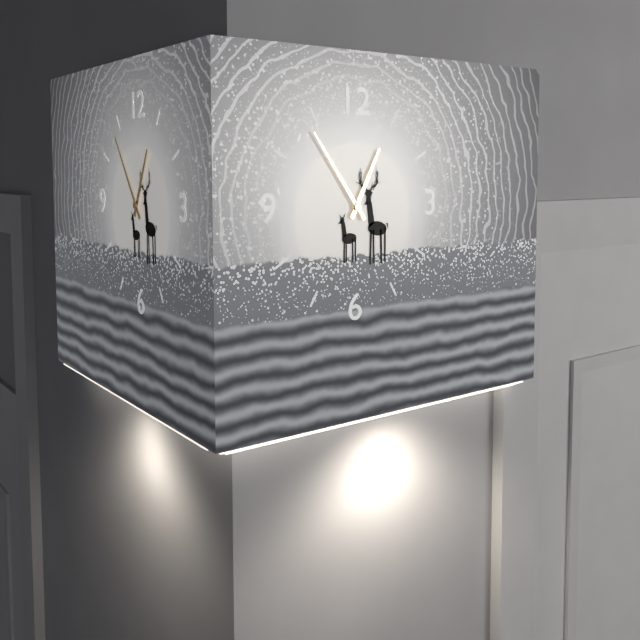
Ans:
12h54
